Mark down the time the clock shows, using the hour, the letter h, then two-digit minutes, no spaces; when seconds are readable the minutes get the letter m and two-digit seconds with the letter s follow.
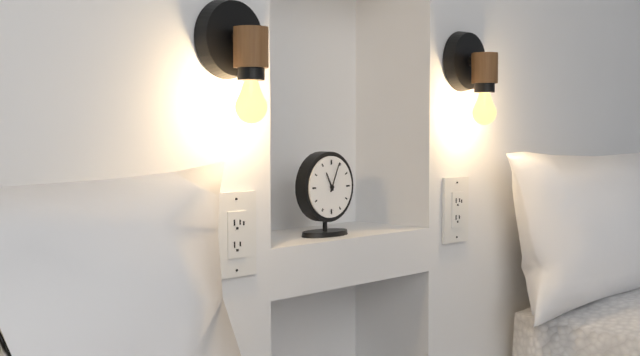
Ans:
11h04
